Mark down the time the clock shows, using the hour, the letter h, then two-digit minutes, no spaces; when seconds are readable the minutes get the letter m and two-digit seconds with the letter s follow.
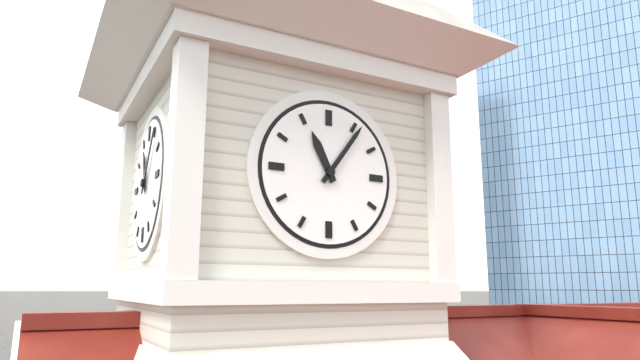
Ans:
11h06
